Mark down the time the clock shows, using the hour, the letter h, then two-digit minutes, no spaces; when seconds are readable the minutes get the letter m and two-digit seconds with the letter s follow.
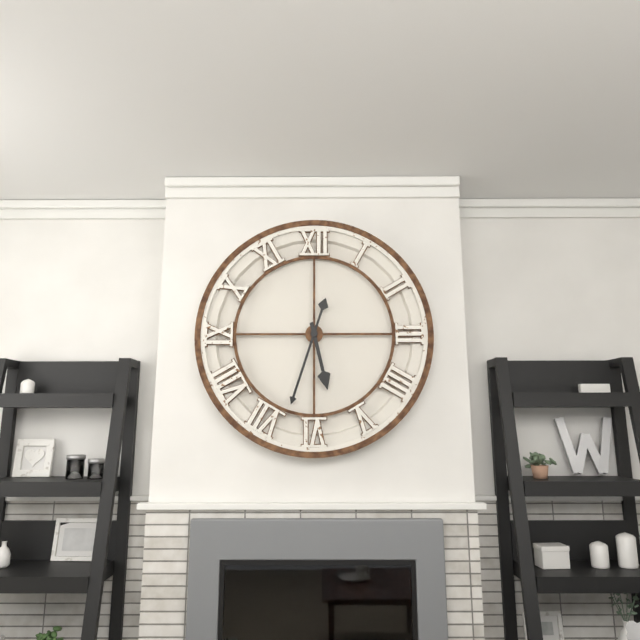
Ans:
5h33
